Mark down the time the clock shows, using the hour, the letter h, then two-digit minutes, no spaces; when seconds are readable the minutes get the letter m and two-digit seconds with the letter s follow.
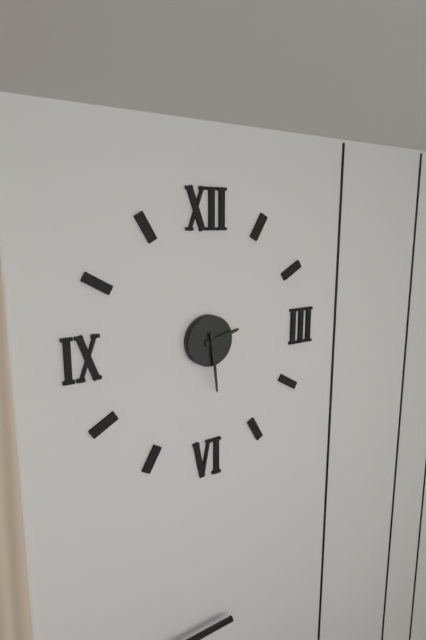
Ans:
2h29
